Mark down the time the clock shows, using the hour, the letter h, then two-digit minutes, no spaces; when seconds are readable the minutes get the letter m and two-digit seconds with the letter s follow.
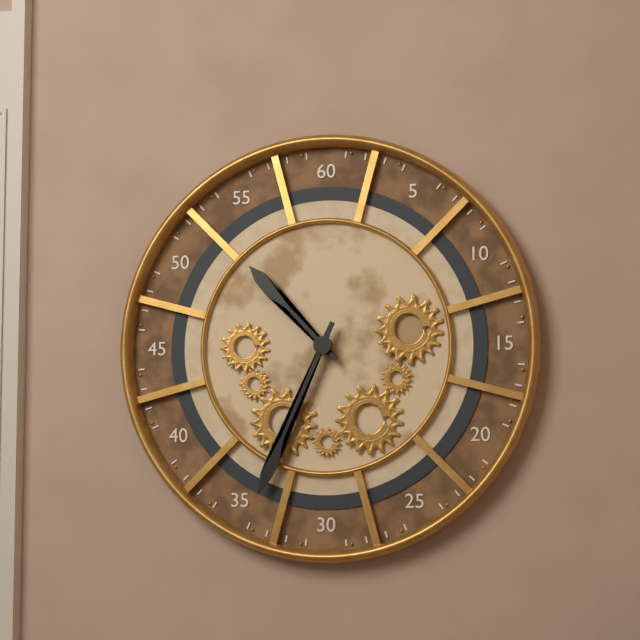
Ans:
10h34
